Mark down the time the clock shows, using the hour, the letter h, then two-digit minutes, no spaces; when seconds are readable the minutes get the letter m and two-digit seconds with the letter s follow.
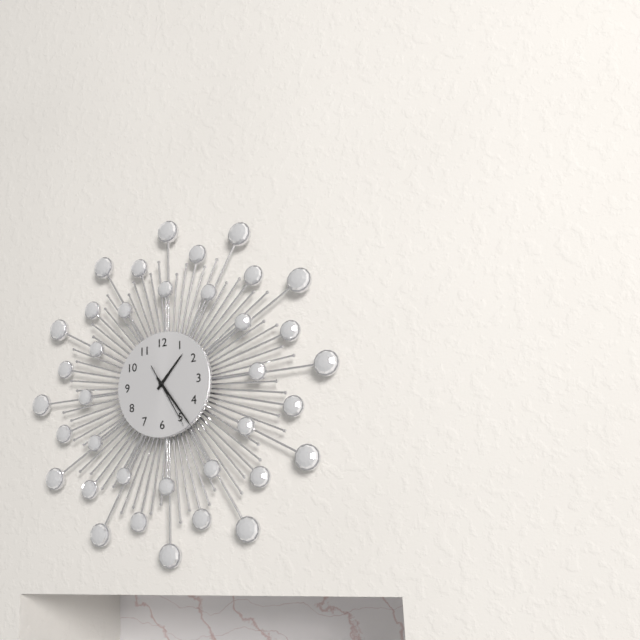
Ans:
1h24m25s
